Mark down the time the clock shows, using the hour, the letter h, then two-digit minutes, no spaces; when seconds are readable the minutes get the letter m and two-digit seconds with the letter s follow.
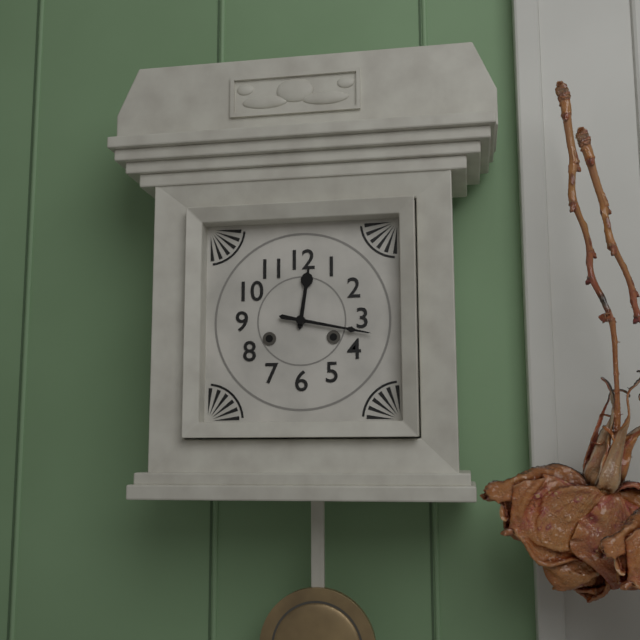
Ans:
12h17
